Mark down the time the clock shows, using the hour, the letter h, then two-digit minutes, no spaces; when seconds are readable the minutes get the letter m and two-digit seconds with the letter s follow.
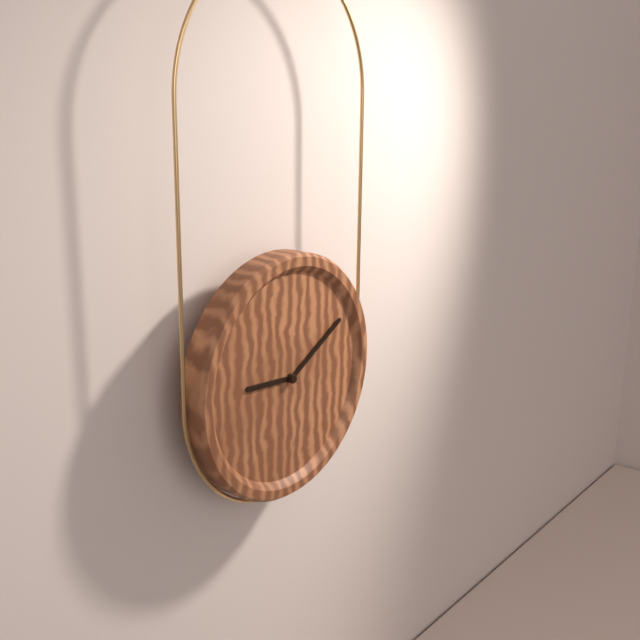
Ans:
9h10
